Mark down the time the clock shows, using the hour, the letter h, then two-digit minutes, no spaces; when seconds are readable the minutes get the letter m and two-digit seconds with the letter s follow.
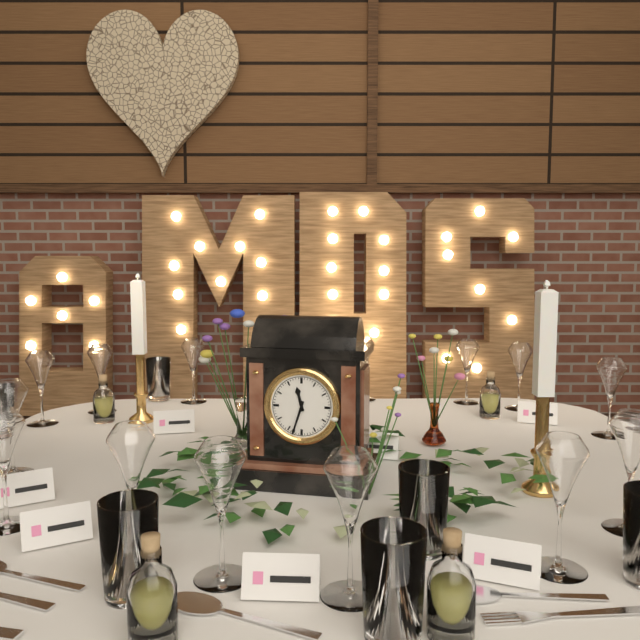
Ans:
11h33
